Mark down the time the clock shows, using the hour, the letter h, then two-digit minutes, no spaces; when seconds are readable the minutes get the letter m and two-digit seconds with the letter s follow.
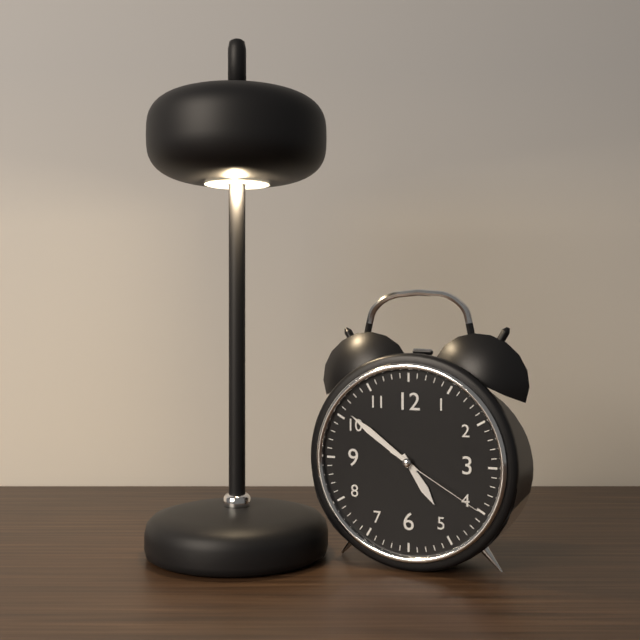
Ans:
4h51m20s
